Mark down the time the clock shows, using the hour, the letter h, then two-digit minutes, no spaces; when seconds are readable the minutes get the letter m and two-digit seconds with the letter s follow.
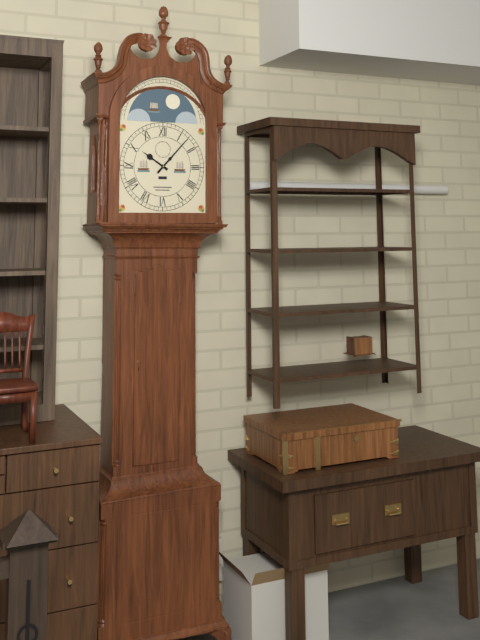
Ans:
10h07
